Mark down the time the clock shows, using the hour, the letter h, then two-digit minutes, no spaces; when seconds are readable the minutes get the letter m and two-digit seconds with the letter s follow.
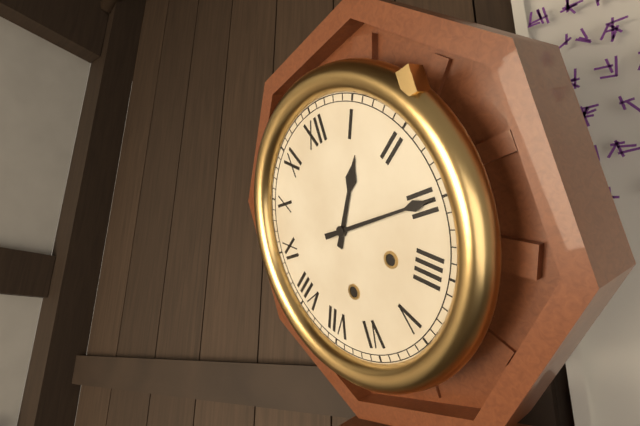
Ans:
1h15
